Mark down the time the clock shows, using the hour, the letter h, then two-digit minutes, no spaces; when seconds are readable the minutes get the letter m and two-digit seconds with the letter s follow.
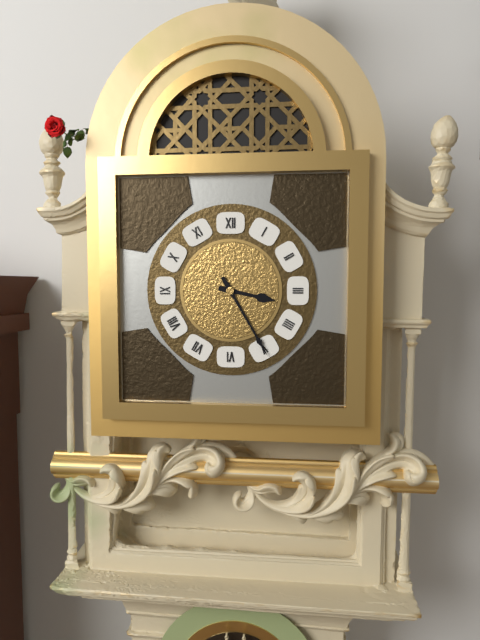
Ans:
3h25
